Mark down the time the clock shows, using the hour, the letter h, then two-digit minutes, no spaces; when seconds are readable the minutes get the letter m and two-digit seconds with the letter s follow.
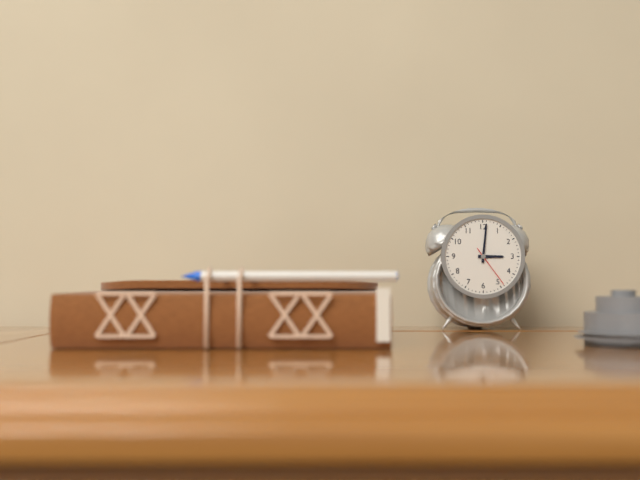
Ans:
3h01
